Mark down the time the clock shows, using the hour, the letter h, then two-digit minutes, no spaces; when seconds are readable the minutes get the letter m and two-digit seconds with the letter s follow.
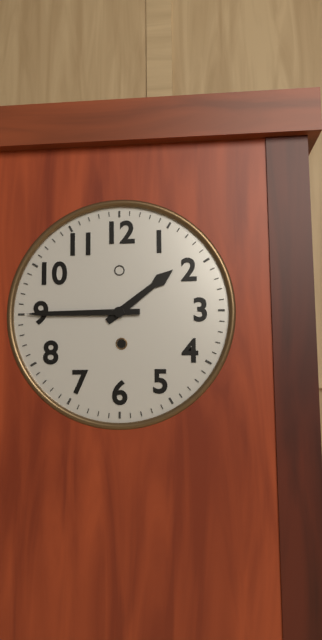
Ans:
1h45
